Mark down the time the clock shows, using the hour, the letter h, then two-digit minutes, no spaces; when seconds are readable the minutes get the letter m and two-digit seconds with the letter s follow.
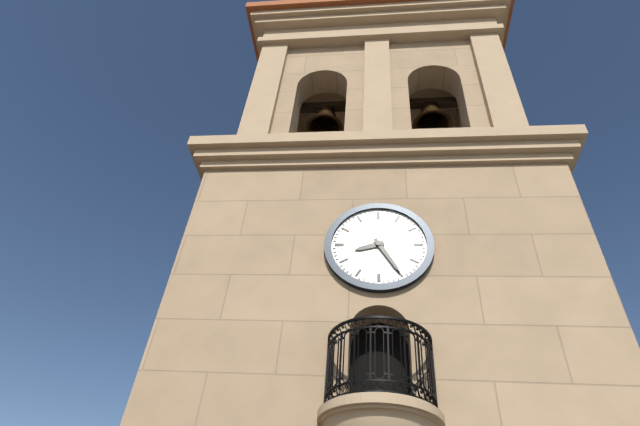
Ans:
8h25
